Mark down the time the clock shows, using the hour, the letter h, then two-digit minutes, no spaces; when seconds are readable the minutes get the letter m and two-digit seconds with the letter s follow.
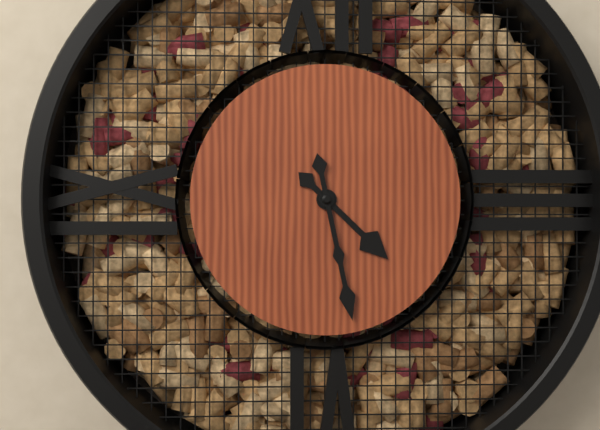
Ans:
4h28
